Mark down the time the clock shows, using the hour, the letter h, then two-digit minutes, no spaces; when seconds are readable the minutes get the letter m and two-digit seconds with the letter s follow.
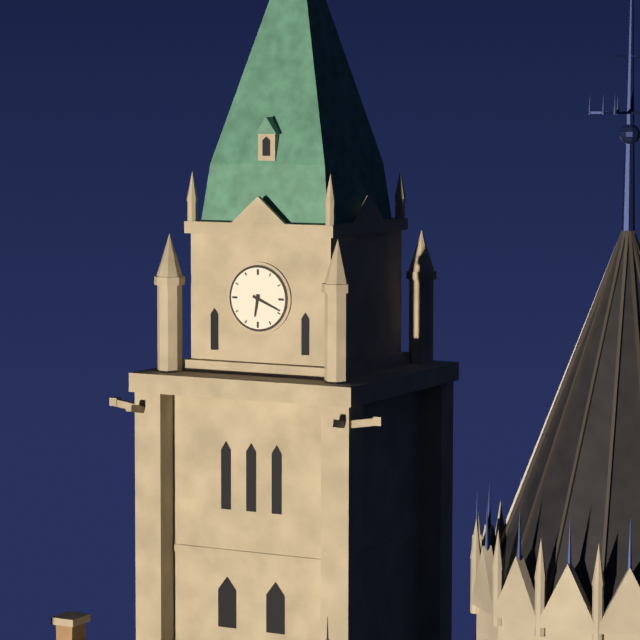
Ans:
6h19
